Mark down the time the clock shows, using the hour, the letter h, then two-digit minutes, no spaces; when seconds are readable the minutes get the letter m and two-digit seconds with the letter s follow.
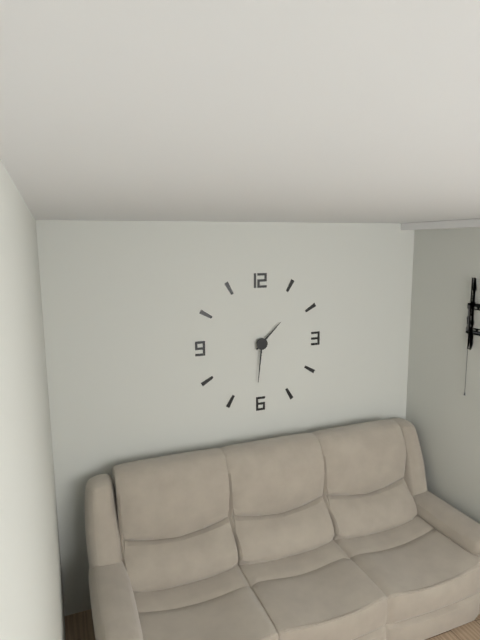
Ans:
1h31
